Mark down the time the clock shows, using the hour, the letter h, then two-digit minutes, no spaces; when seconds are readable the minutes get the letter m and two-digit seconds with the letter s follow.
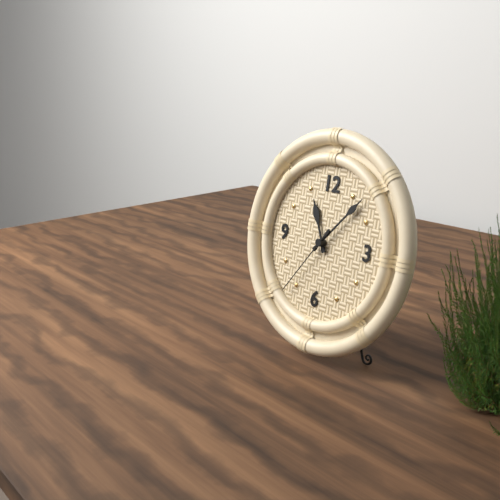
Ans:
11h07m36s
